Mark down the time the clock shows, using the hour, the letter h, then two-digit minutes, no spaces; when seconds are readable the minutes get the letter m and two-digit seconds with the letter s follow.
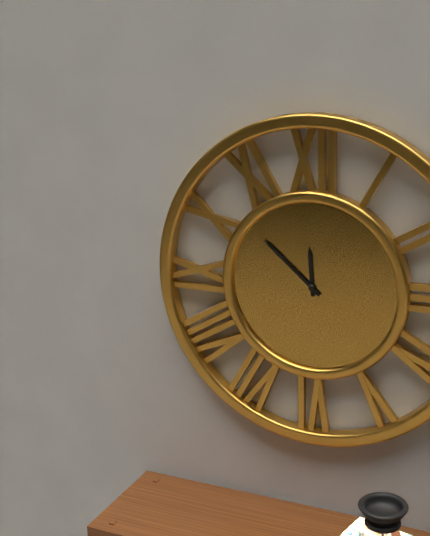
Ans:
11h52
